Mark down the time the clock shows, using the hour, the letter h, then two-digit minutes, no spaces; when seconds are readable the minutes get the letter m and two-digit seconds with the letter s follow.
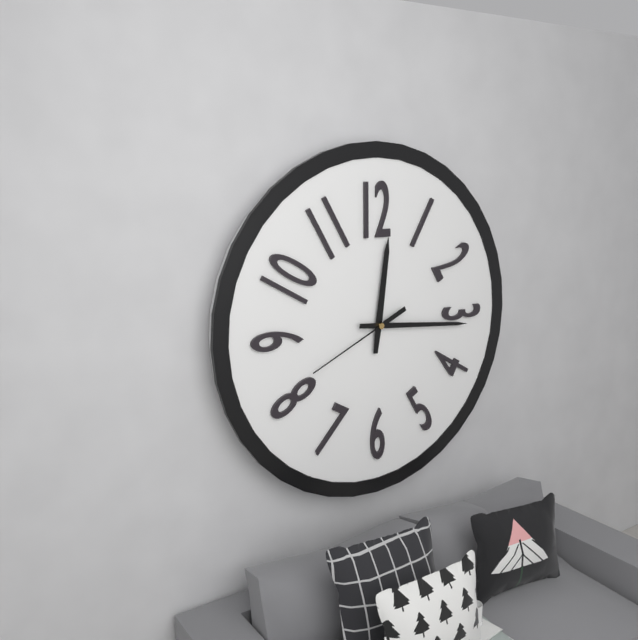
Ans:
12h16m41s
